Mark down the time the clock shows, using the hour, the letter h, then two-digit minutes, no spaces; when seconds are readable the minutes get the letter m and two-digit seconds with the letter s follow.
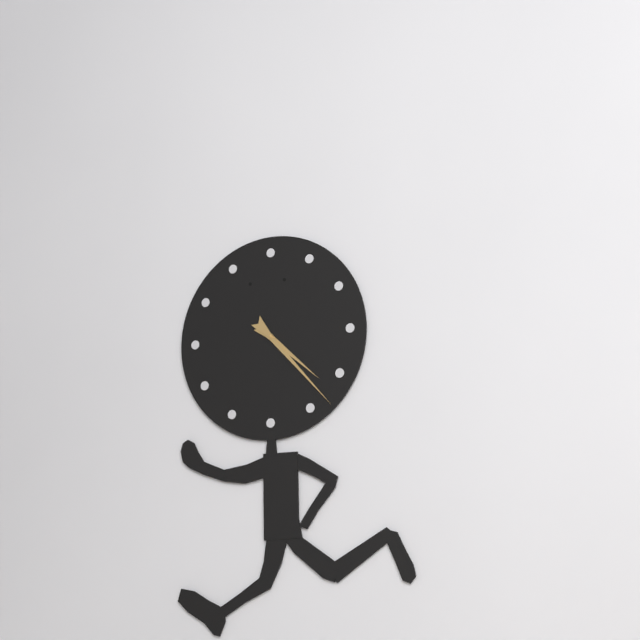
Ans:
4h23
